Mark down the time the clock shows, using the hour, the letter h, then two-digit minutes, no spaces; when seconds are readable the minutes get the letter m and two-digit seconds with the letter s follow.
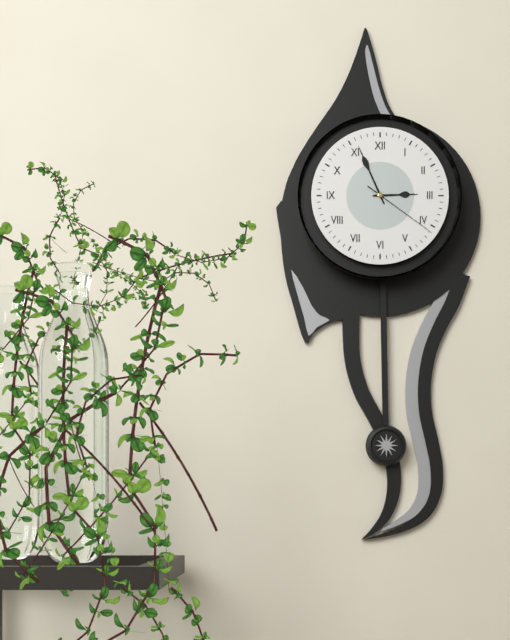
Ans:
2h56m21s
